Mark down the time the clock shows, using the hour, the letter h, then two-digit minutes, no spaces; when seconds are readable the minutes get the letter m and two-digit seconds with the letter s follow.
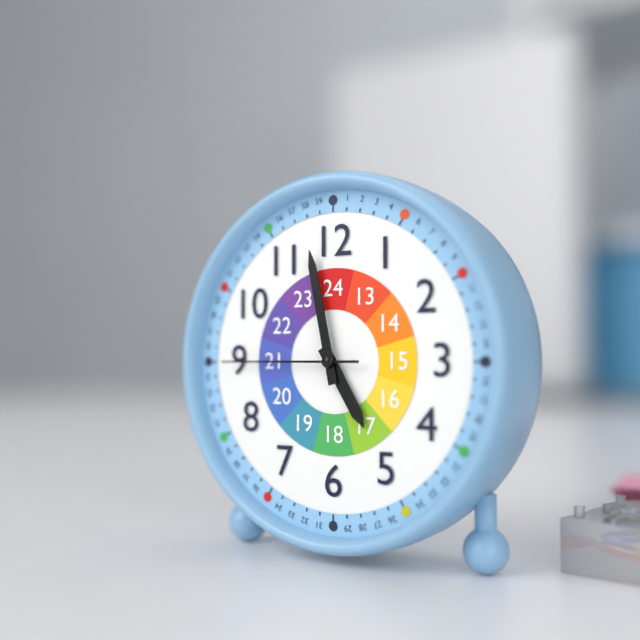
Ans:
4h58m45s
